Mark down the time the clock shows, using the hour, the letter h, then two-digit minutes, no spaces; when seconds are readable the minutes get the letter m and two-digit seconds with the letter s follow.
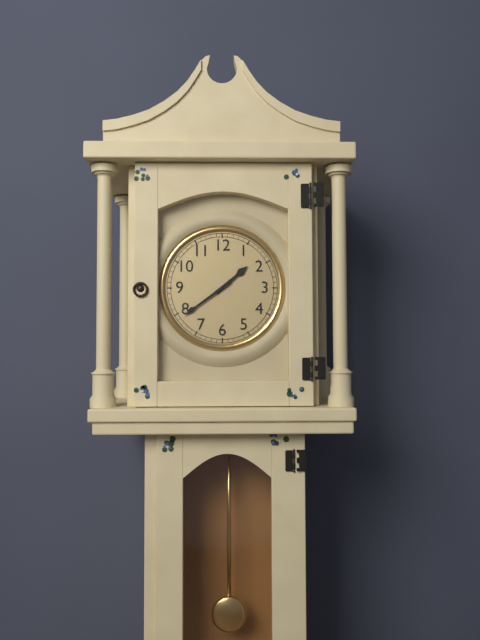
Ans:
1h39
